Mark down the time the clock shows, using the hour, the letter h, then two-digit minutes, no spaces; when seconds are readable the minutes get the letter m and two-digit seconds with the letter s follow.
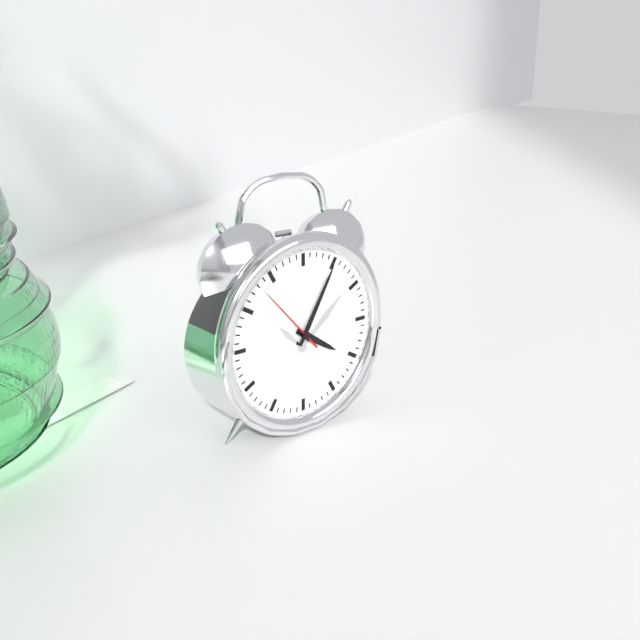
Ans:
4h05m53s
